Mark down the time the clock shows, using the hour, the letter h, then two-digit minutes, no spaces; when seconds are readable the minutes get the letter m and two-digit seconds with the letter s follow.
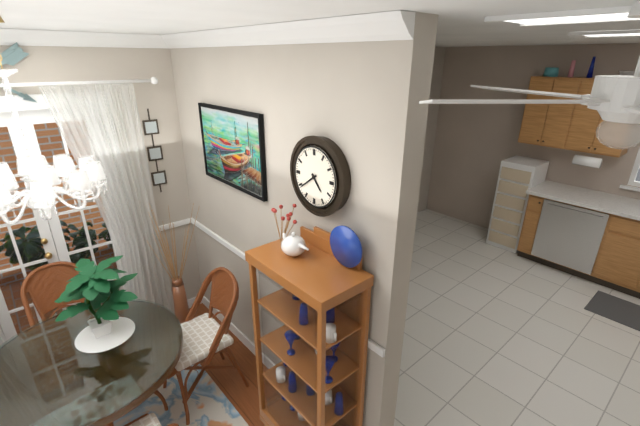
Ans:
4h39
